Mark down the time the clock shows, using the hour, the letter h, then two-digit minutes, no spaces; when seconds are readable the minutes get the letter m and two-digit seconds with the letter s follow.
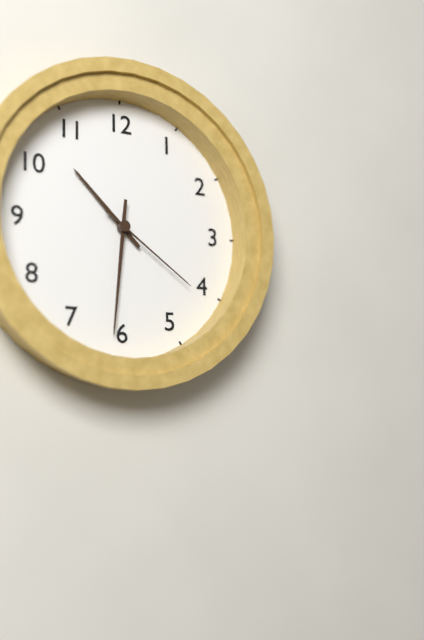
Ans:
10h31m21s
